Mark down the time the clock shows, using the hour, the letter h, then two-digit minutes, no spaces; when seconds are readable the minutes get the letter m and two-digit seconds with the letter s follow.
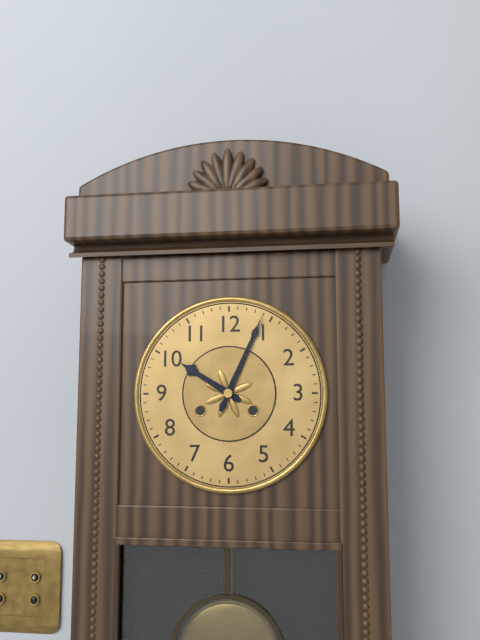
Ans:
10h04
